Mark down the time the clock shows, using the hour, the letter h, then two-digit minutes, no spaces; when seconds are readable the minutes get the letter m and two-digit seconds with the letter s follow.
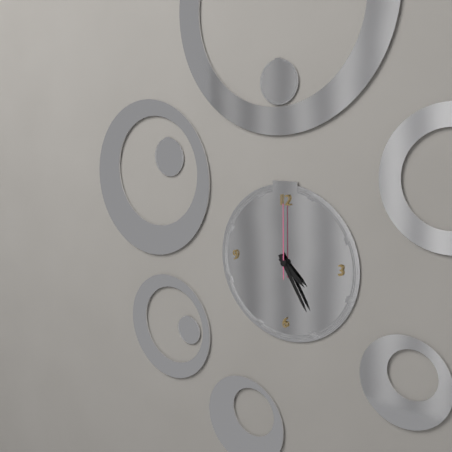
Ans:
4h25m00s
